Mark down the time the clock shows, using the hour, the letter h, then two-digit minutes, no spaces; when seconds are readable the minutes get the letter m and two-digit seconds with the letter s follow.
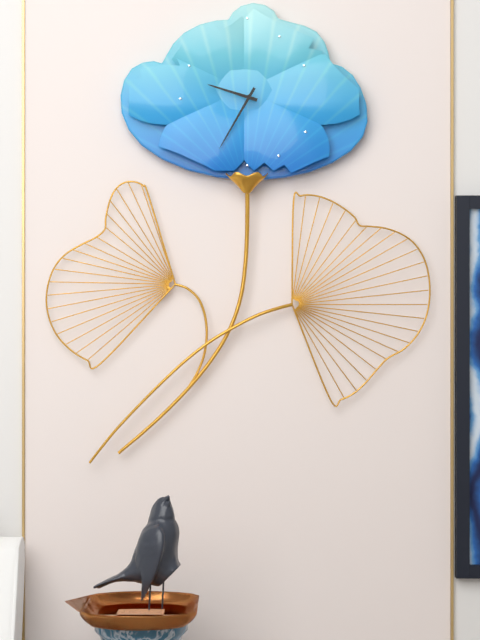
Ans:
9h35
